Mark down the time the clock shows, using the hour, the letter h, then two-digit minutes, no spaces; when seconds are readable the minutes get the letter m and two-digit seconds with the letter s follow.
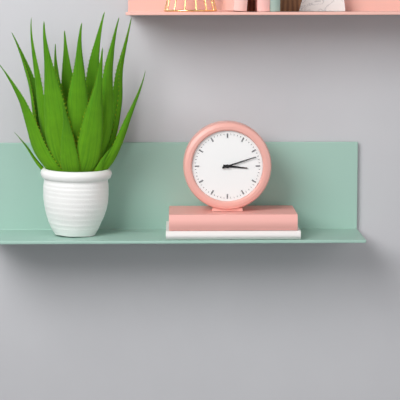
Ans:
3h12
